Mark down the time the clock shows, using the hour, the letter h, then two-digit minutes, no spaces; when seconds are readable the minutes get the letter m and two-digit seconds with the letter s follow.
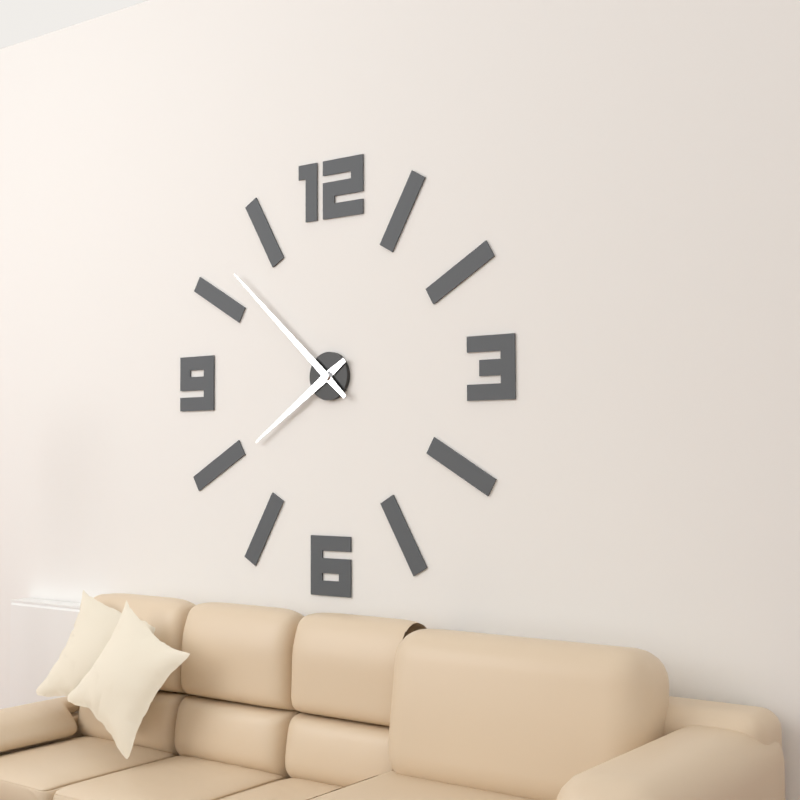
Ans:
7h52
